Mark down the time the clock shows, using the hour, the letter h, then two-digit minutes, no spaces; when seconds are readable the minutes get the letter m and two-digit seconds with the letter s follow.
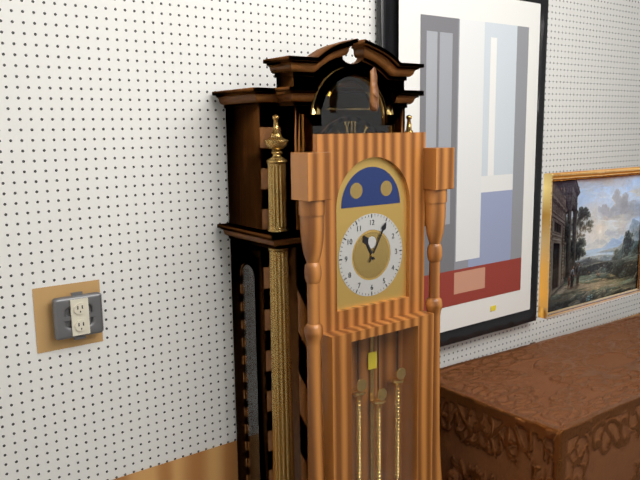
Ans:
11h05
